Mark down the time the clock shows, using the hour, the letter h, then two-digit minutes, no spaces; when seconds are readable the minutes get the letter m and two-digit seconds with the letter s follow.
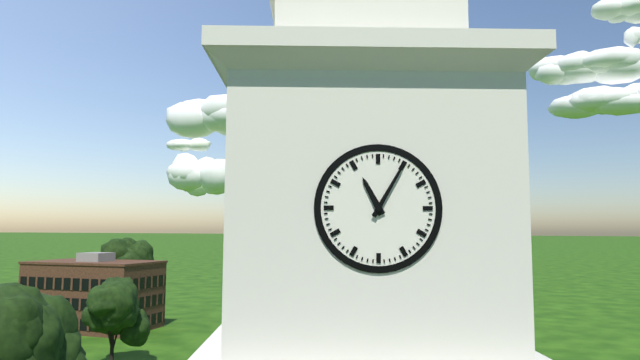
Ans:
11h05
